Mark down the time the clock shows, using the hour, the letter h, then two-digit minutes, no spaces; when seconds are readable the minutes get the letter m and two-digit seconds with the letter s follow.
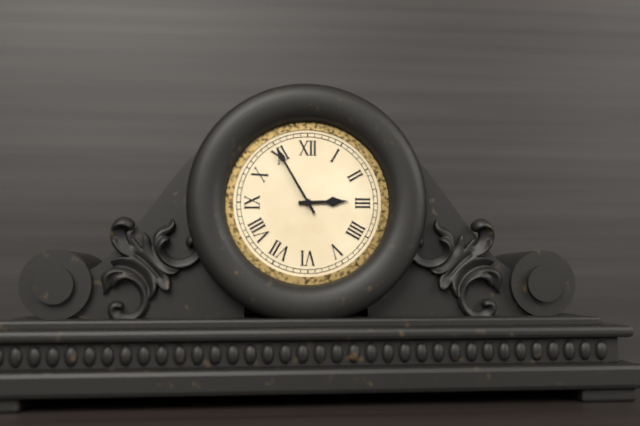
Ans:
2h55
